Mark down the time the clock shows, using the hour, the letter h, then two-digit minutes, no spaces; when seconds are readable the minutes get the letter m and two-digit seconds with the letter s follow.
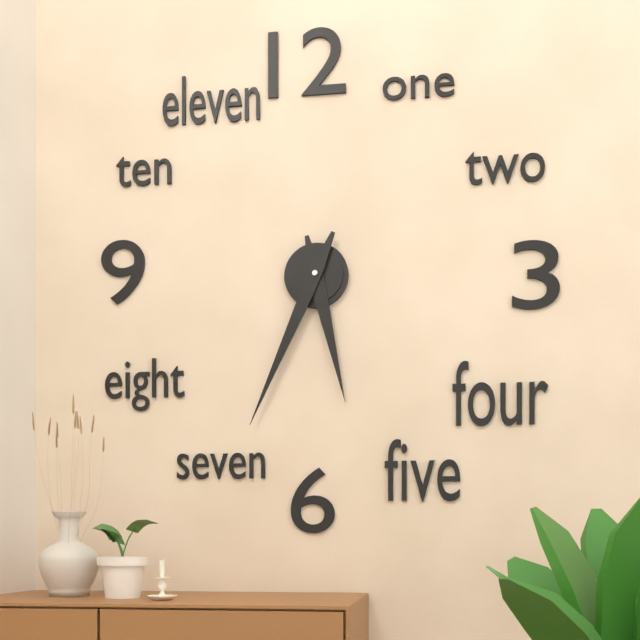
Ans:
5h34
